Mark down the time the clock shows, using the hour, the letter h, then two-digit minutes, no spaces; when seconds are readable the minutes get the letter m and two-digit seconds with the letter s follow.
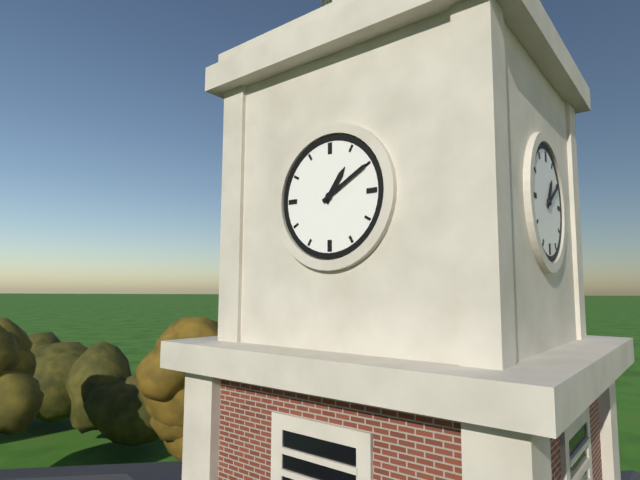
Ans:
1h10
